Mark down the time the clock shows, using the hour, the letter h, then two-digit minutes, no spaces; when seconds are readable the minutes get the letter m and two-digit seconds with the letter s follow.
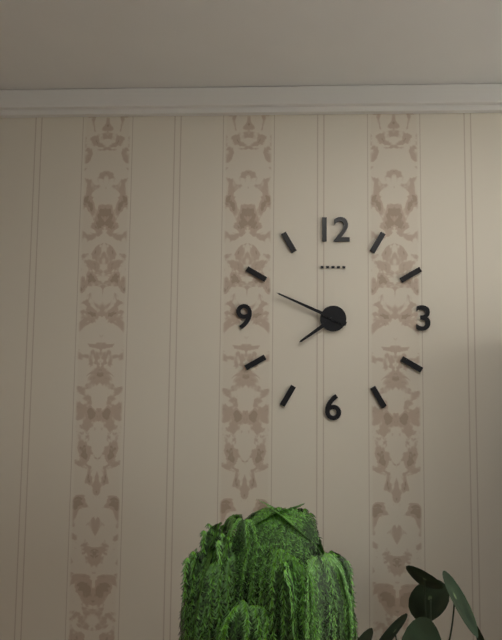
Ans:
7h49
